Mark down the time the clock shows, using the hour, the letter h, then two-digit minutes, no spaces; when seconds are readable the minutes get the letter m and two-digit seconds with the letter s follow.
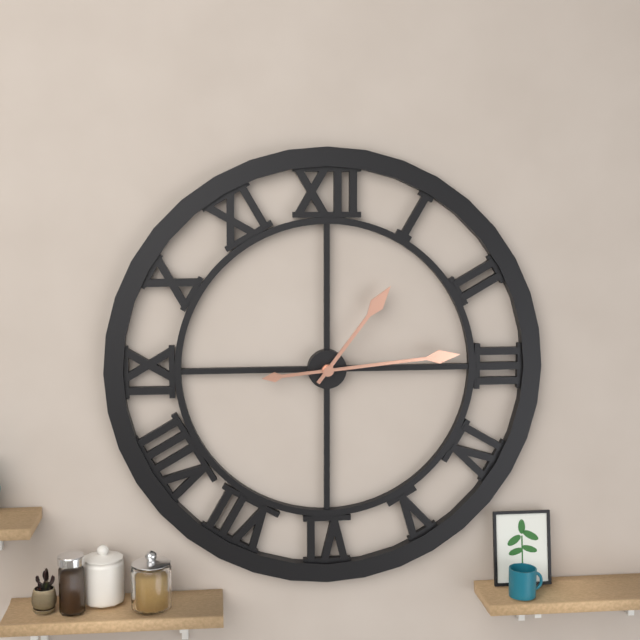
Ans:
1h14
